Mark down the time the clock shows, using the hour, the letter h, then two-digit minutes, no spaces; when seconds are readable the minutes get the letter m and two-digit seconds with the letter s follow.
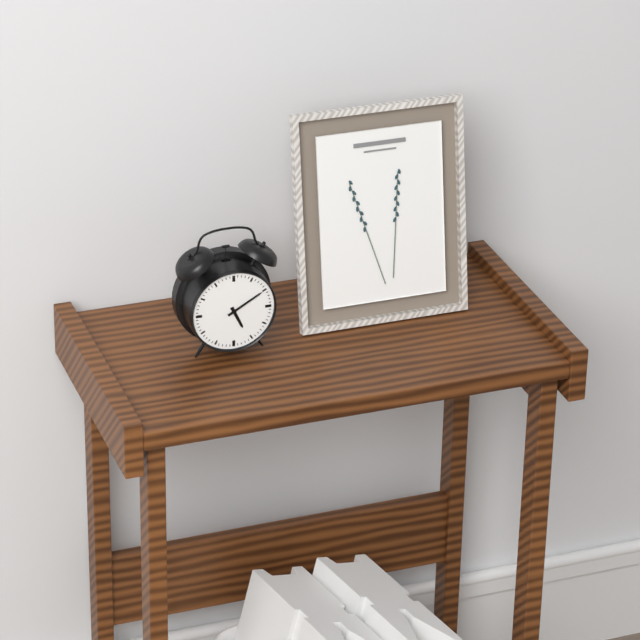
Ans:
5h10
